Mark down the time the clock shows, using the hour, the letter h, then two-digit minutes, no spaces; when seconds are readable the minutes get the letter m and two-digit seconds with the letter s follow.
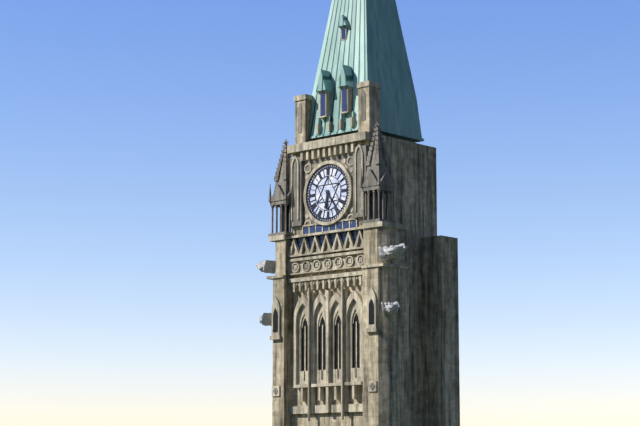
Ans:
6h24
